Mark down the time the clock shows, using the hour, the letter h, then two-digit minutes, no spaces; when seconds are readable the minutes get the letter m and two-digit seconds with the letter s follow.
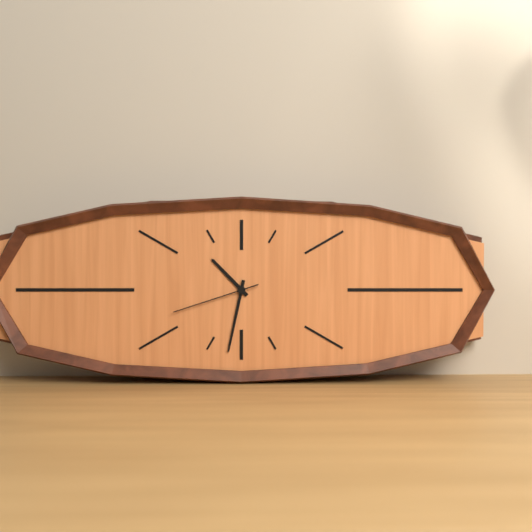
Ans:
10h32m42s
